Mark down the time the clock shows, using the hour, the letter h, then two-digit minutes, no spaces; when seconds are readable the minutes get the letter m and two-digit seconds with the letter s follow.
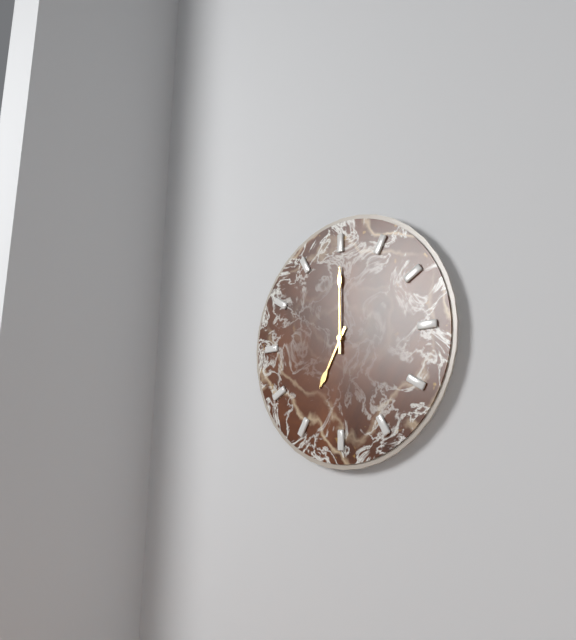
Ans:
7h00
